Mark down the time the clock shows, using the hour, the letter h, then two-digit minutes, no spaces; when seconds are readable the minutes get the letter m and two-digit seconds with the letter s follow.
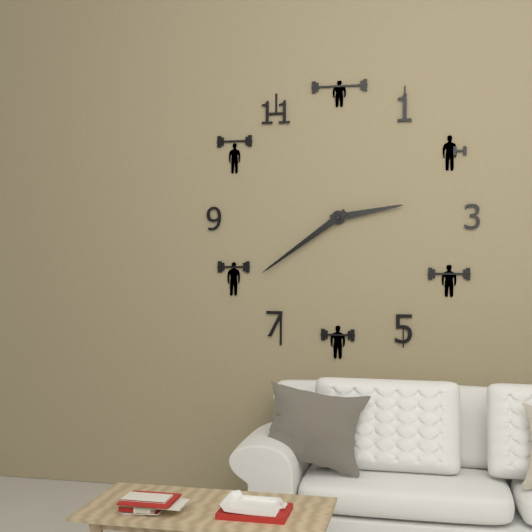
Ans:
2h39
